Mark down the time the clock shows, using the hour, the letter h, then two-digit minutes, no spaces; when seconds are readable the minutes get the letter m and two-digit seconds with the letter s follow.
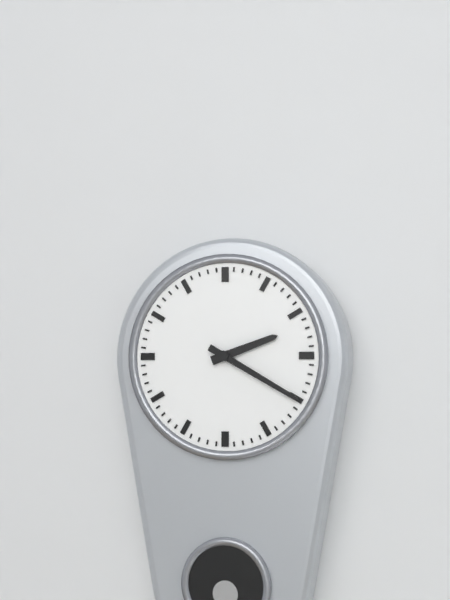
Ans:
2h20
